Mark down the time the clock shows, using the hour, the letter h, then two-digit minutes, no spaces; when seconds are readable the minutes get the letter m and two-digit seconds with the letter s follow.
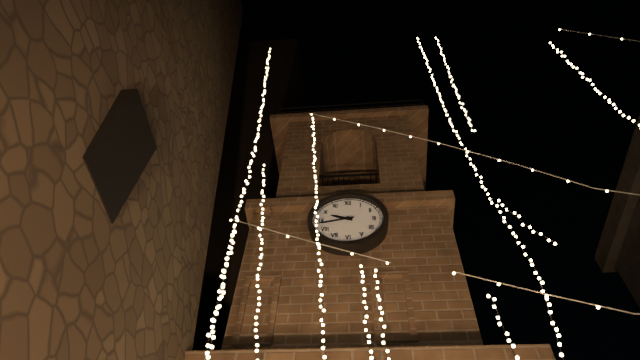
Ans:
9h43
